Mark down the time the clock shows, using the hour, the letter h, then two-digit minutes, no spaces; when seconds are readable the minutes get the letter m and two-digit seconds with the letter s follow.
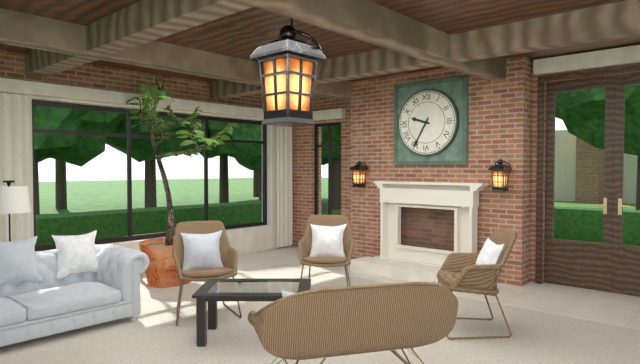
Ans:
9h35
